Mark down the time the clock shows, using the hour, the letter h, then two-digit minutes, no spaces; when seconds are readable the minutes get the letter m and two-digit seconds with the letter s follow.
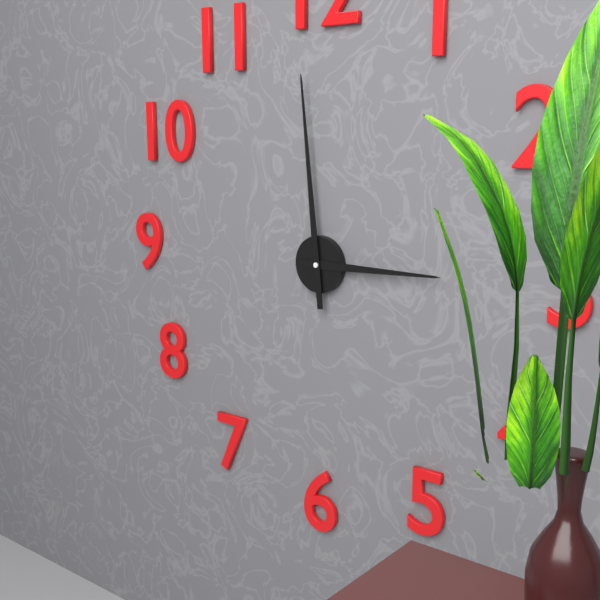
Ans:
2h59
